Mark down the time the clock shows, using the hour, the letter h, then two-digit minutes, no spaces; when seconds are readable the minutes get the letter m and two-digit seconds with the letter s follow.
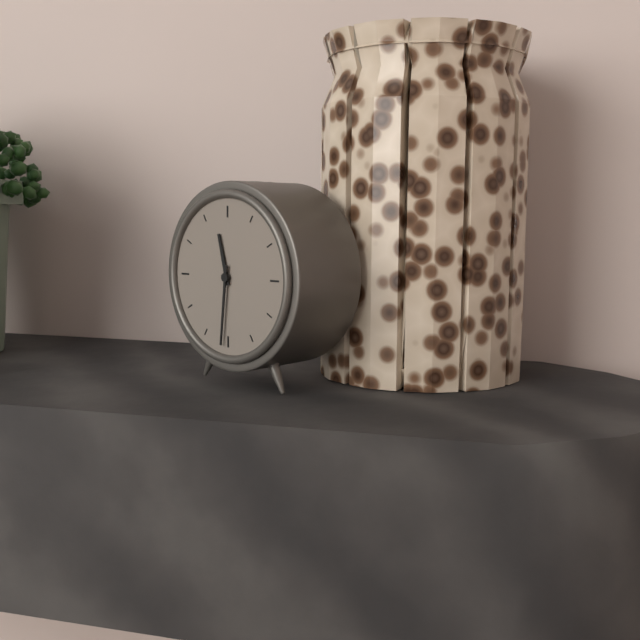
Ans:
11h31
